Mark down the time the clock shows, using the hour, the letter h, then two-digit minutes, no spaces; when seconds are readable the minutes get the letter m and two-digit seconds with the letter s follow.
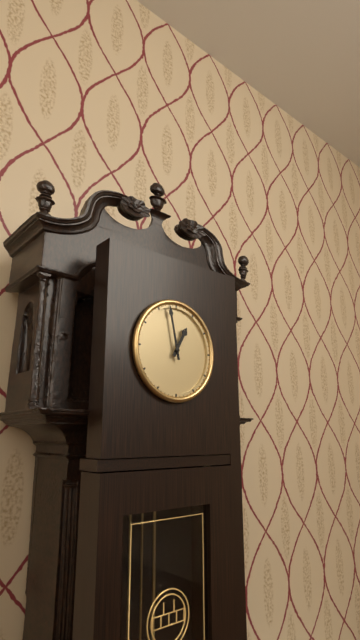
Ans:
12h58
